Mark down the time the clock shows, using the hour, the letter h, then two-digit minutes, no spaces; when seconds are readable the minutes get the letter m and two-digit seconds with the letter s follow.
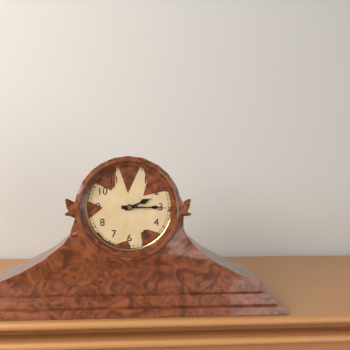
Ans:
2h15
